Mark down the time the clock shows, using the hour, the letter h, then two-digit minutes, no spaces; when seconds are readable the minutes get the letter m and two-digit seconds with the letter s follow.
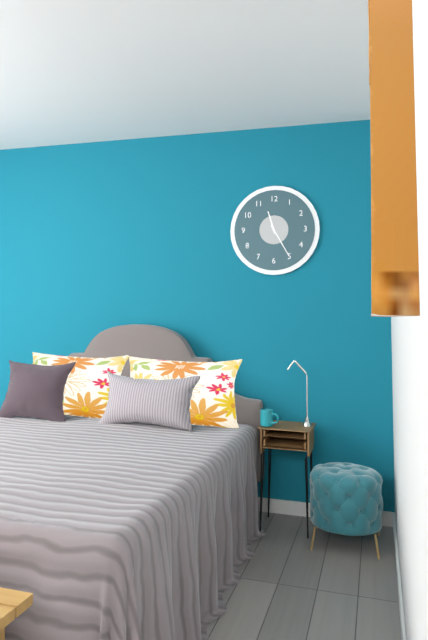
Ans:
11h25
